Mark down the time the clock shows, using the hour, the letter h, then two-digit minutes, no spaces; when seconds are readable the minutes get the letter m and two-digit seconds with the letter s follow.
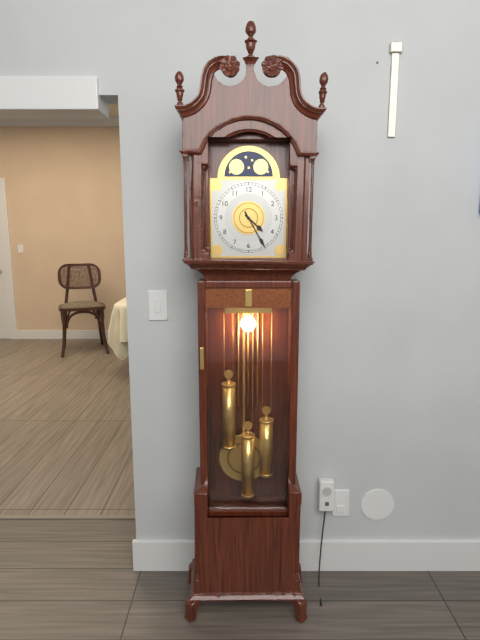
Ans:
4h25
